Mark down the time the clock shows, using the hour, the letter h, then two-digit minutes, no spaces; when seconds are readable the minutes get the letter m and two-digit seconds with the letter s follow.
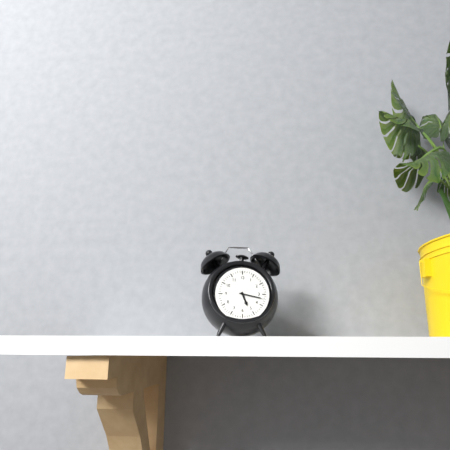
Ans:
5h17
